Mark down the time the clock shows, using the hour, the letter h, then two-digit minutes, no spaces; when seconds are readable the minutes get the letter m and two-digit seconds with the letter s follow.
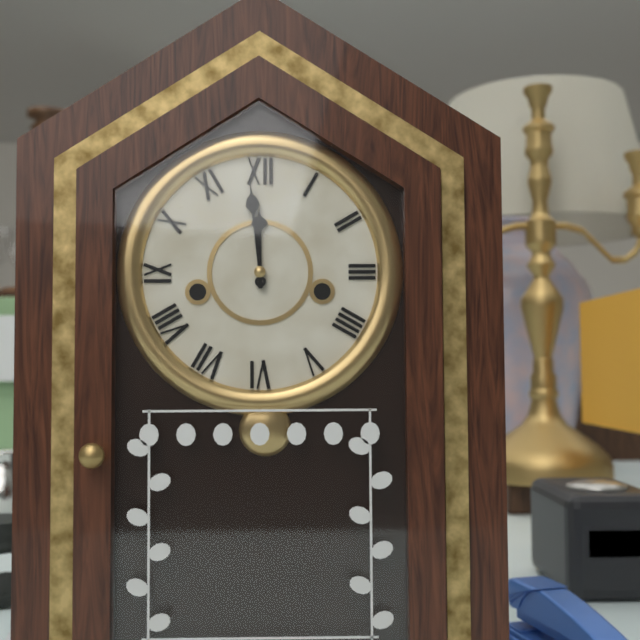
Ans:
11h59
